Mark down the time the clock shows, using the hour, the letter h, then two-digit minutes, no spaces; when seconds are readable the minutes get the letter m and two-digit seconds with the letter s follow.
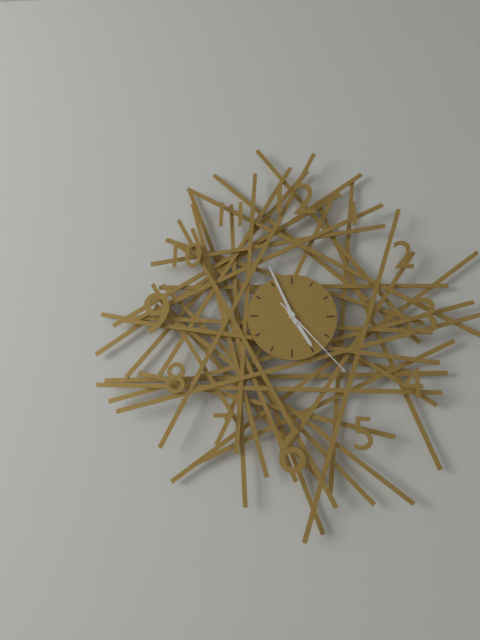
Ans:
4h56m23s
